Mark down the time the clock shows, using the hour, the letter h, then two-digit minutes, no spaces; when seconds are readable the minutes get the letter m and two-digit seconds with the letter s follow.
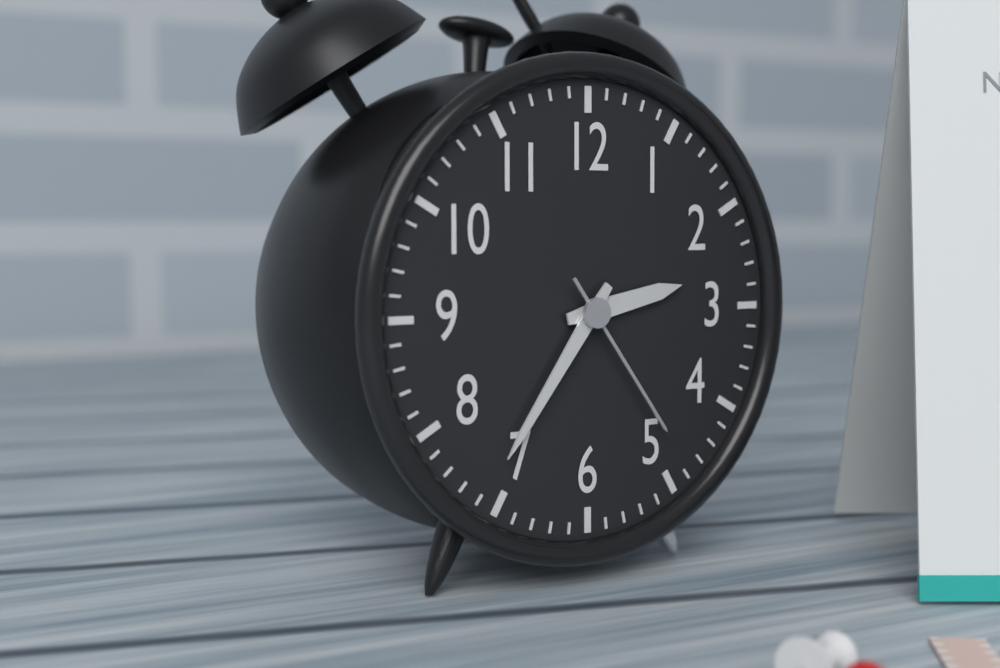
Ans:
2h36m24s
